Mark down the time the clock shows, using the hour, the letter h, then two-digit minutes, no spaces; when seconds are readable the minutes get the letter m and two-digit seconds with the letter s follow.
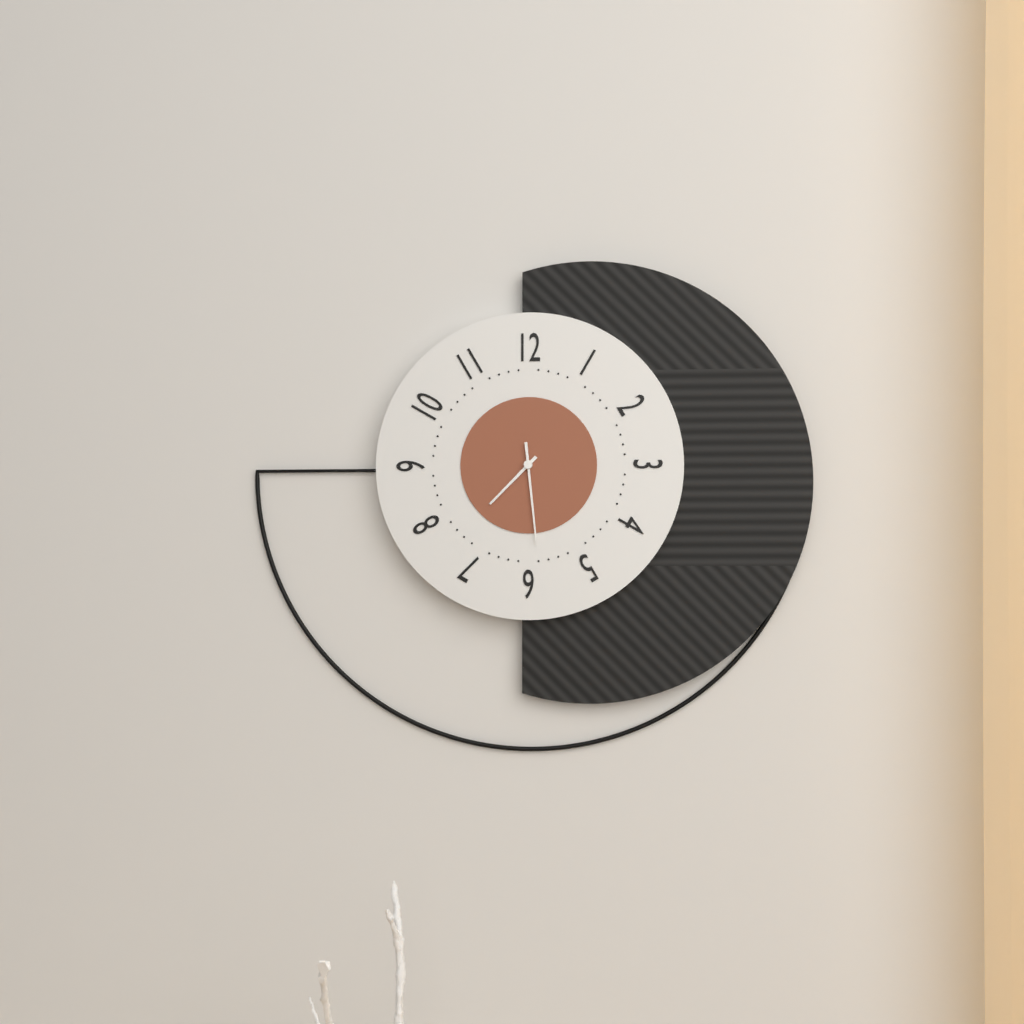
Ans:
7h29
